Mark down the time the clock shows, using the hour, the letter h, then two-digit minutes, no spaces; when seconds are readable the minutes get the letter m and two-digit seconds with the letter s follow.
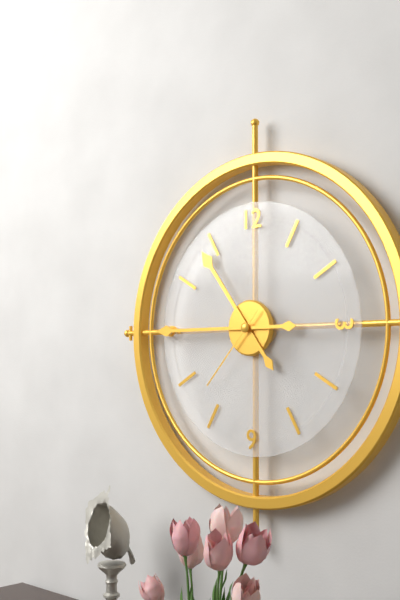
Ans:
10h45m37s
